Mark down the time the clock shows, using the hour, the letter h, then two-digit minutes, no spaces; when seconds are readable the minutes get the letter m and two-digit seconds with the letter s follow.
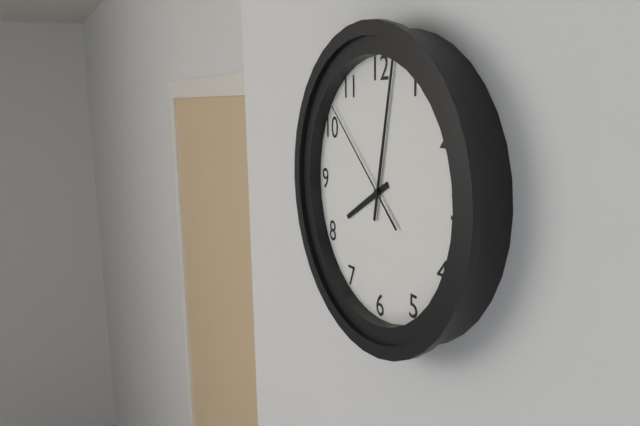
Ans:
8h02m52s
